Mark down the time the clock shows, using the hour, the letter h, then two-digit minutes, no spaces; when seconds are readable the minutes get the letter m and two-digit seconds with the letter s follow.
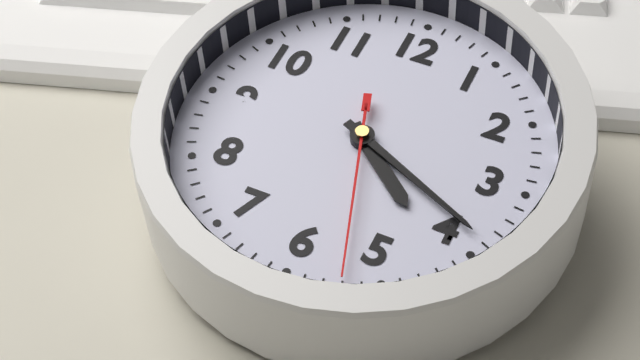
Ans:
4h19m27s
